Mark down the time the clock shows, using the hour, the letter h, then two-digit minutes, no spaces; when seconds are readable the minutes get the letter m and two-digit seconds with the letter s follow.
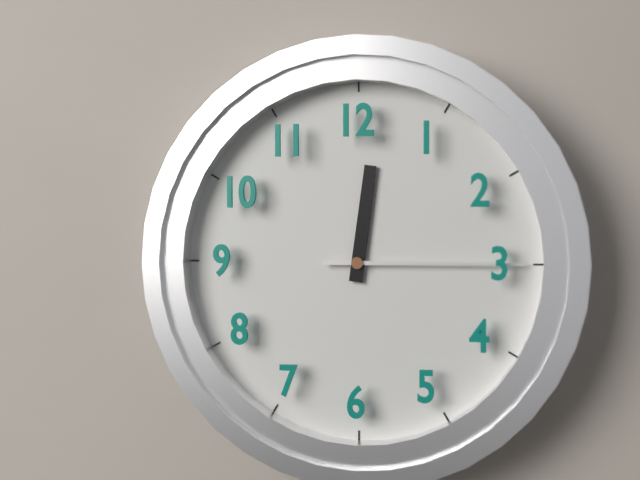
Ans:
12h15
